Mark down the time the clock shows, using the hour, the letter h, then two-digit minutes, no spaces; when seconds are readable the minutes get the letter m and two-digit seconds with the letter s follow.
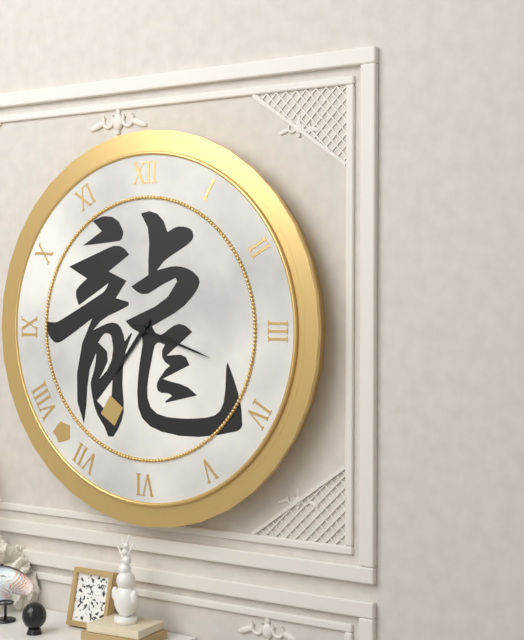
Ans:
7h18
